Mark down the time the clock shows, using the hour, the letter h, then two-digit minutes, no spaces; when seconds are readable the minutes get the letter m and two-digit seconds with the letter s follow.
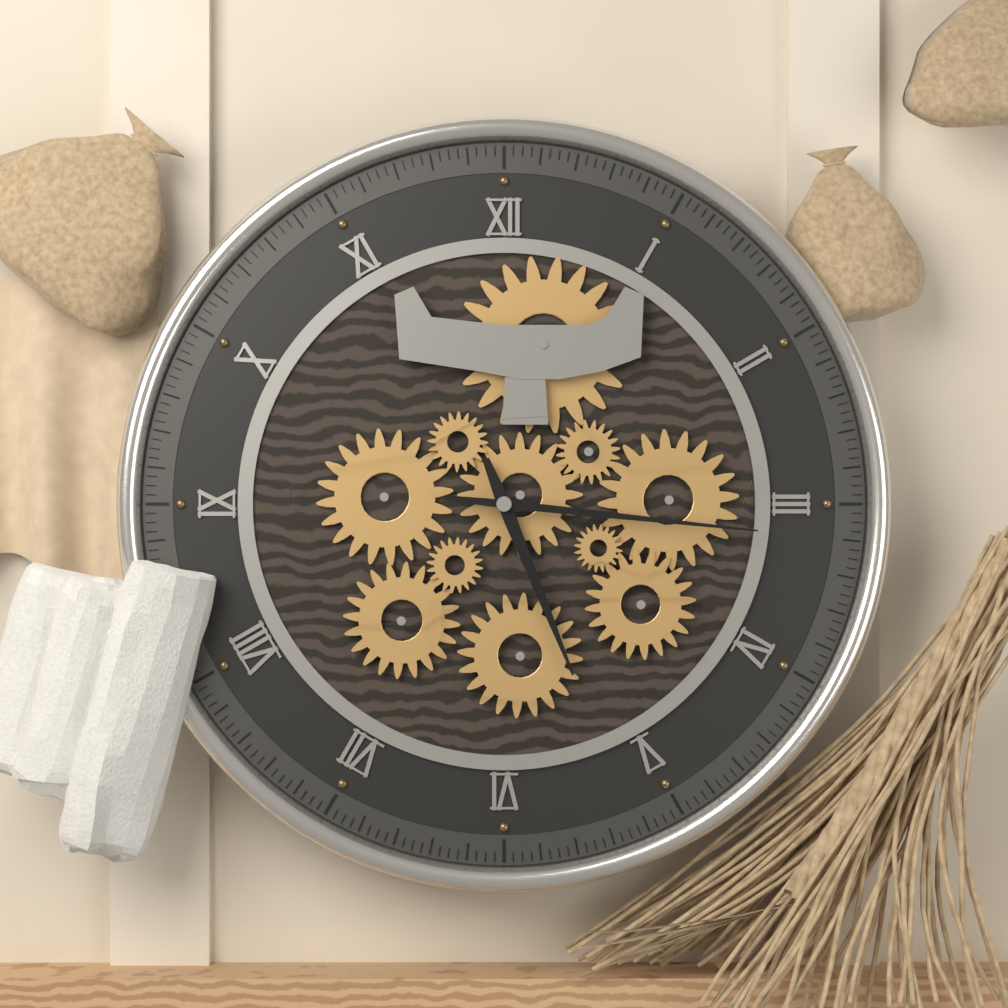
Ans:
5h16
